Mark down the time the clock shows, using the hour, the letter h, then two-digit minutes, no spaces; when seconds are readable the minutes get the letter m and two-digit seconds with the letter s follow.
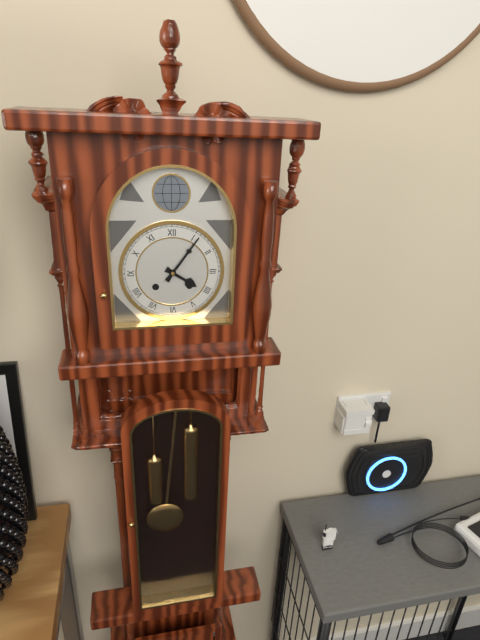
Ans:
4h06
